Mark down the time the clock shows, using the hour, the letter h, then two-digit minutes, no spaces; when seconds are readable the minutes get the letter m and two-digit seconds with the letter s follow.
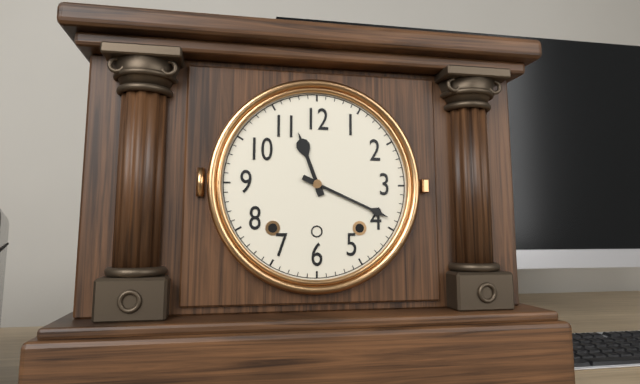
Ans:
11h19
